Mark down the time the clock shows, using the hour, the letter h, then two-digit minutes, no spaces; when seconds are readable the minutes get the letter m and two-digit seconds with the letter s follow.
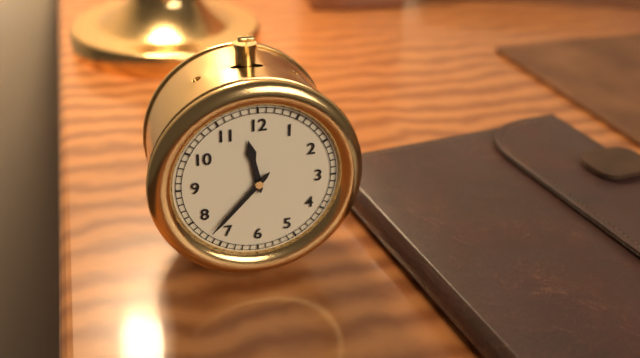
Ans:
11h37
